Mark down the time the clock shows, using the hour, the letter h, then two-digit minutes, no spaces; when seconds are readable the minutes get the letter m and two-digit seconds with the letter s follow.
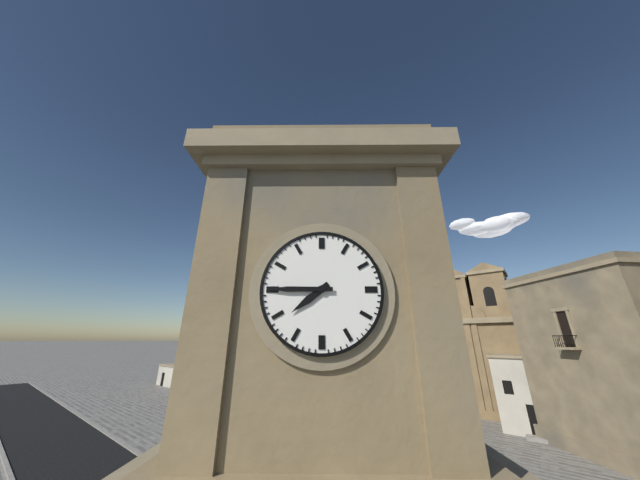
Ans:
7h45
